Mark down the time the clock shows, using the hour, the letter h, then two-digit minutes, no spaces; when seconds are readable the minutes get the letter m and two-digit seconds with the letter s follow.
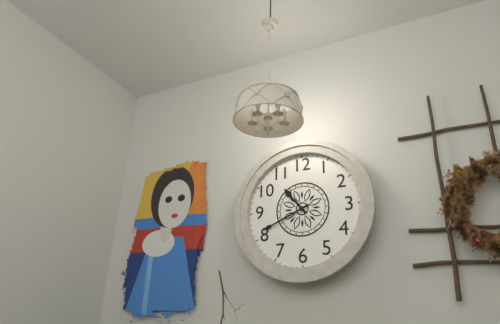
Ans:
10h41
